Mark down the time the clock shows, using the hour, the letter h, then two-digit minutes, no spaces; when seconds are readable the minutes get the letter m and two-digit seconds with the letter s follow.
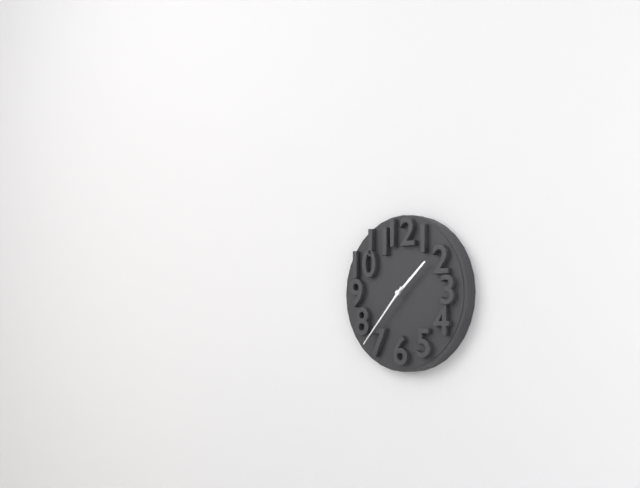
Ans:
1h37
